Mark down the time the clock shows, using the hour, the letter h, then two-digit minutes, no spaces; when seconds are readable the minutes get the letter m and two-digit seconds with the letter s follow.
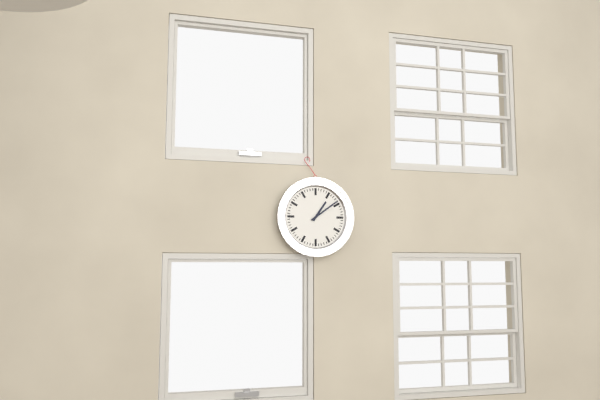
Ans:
1h09
